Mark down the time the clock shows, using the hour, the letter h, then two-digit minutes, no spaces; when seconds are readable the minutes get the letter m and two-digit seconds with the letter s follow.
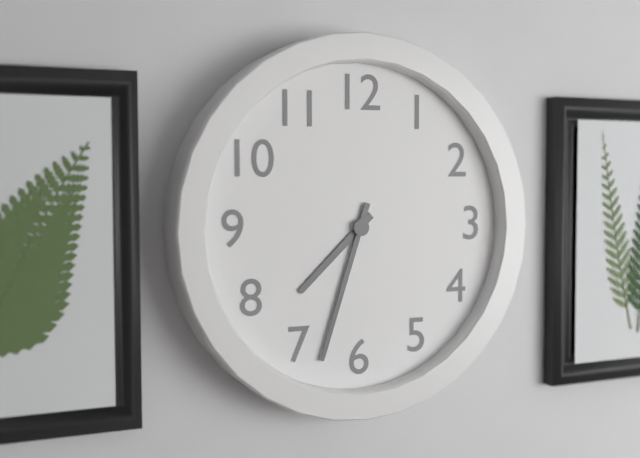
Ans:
7h33
